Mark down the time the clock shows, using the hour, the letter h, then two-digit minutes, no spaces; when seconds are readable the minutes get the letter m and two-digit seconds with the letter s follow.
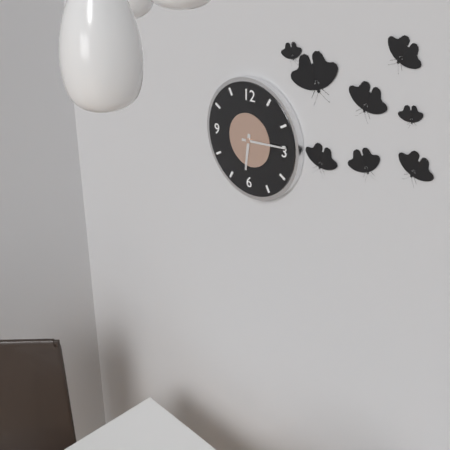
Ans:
6h14
